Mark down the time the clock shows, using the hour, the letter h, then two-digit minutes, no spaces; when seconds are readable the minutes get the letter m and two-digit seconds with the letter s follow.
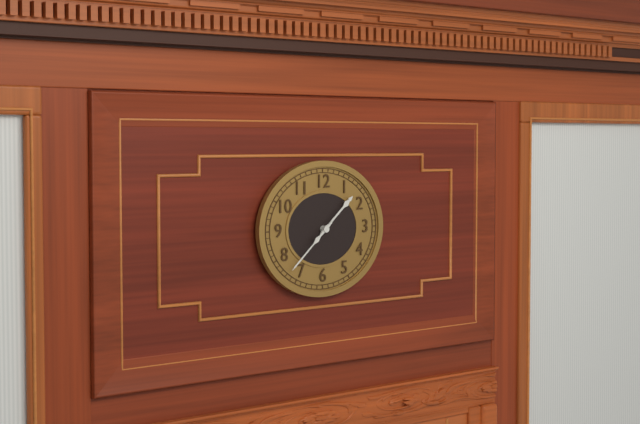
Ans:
1h38
